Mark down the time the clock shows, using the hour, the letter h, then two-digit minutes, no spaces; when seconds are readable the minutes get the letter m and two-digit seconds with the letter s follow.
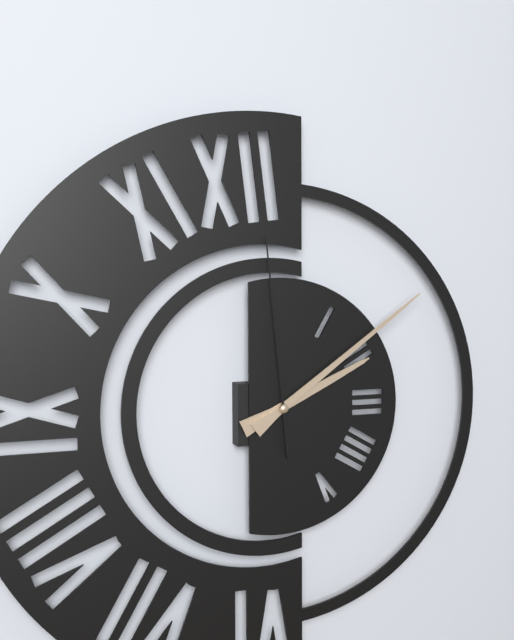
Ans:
2h09m59s
